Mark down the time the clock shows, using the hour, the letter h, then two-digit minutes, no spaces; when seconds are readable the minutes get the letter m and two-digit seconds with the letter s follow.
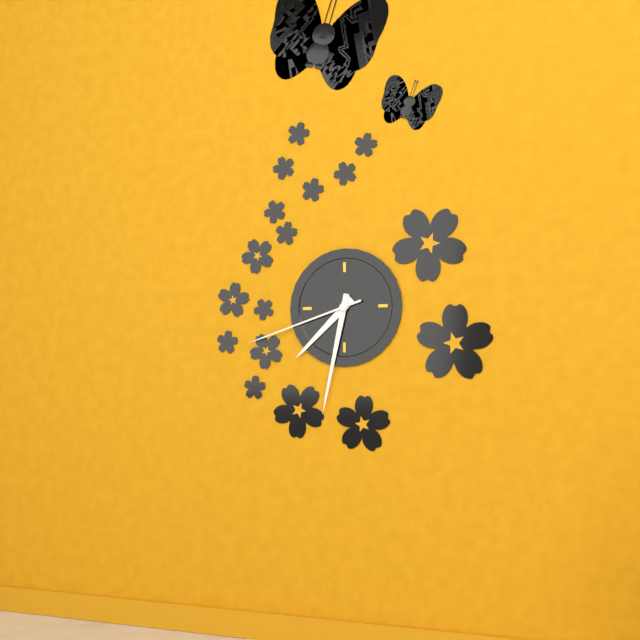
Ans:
7h32m42s
